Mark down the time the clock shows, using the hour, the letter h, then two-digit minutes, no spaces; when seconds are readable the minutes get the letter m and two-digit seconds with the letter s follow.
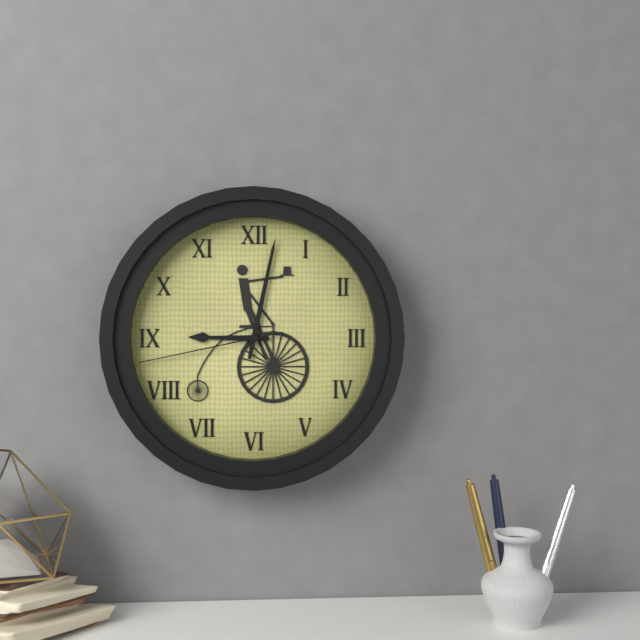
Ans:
9h02m43s
